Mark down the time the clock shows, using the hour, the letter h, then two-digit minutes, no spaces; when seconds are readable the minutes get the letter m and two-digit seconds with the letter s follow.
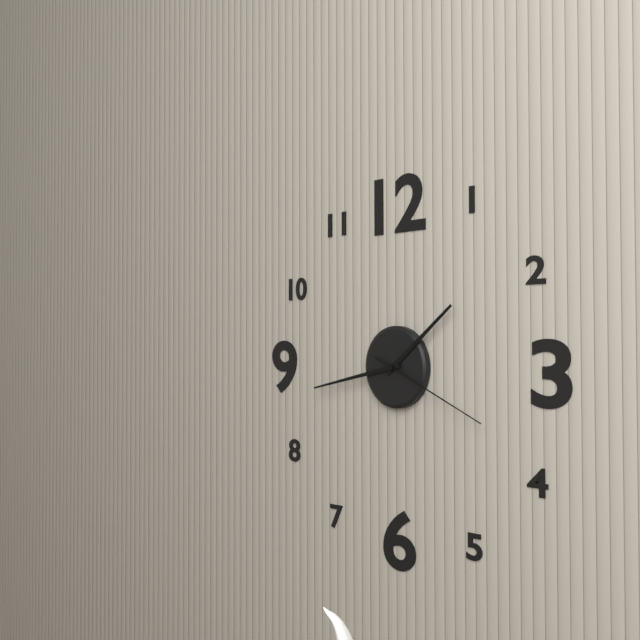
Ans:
1h43m19s
